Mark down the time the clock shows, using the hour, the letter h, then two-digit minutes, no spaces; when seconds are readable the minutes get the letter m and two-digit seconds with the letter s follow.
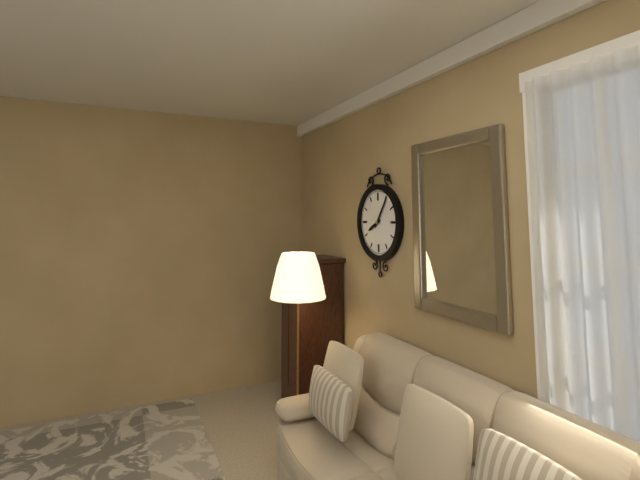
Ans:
8h06
